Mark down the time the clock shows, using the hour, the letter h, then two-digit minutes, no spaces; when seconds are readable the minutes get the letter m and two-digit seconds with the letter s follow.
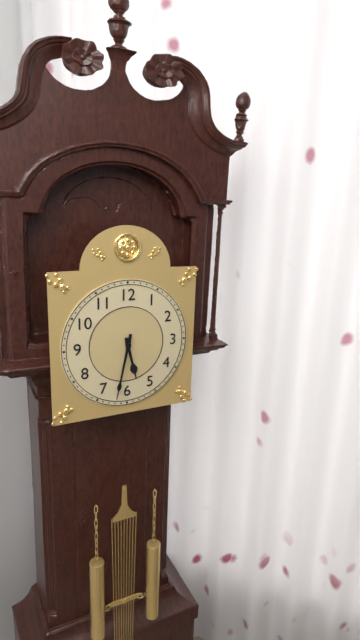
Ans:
5h32
